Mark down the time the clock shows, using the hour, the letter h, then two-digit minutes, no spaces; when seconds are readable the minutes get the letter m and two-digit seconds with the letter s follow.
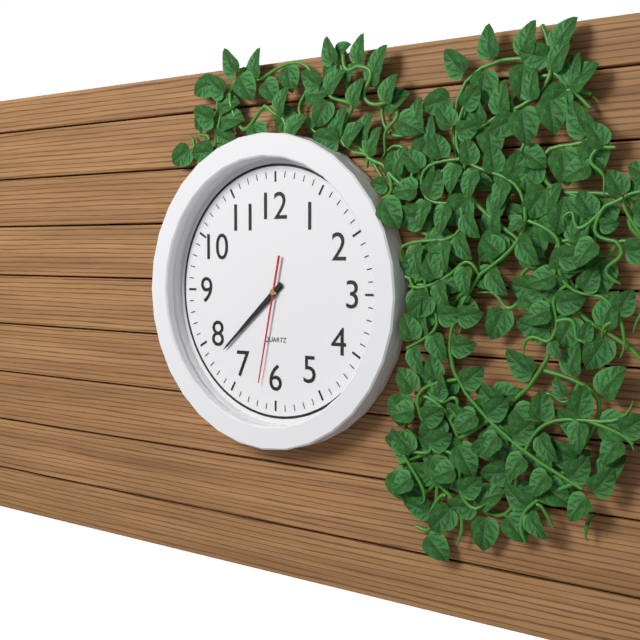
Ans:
7h38m32s
